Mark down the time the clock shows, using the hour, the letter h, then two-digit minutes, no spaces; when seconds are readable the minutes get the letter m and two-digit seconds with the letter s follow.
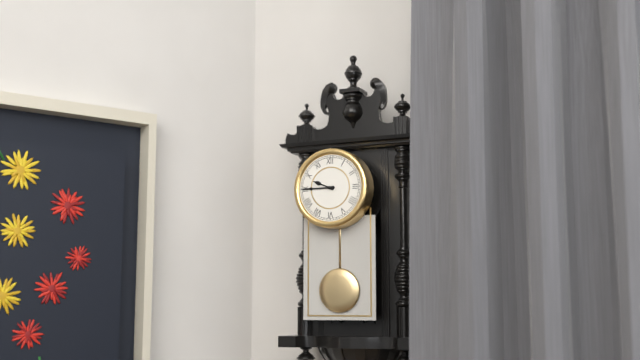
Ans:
9h45
